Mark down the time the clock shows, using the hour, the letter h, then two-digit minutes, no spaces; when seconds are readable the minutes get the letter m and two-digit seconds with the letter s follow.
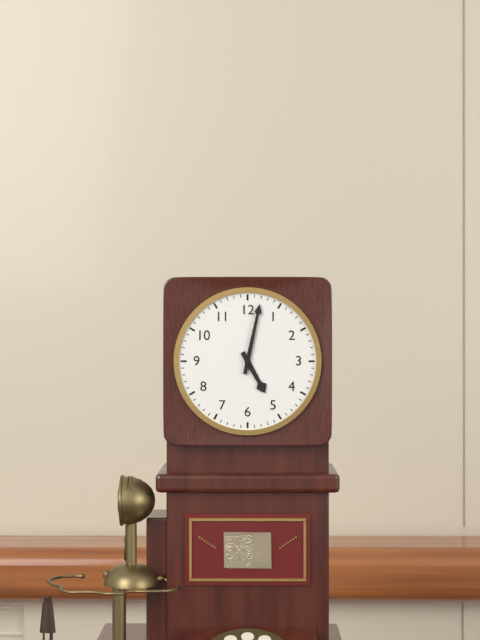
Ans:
5h02
